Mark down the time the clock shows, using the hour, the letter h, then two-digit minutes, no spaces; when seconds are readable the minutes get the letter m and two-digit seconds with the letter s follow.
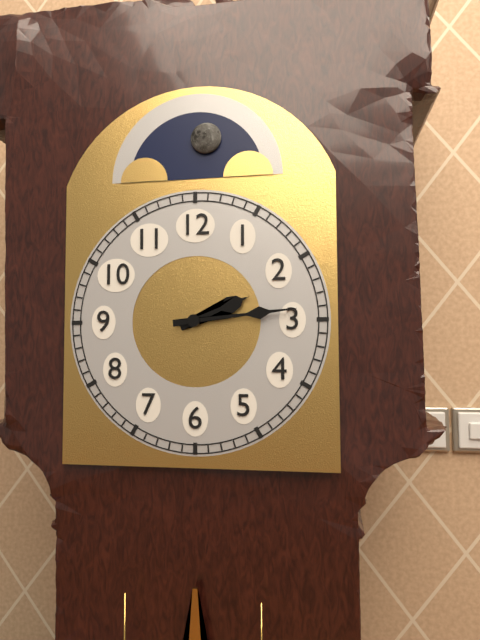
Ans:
2h14
